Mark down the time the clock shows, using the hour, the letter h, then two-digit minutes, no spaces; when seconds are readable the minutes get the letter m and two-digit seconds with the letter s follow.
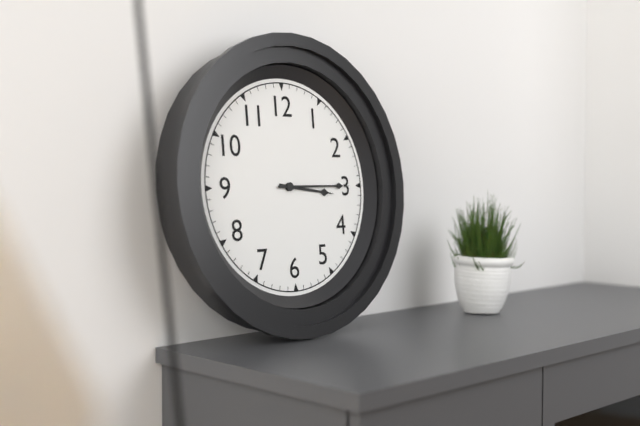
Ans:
3h15
